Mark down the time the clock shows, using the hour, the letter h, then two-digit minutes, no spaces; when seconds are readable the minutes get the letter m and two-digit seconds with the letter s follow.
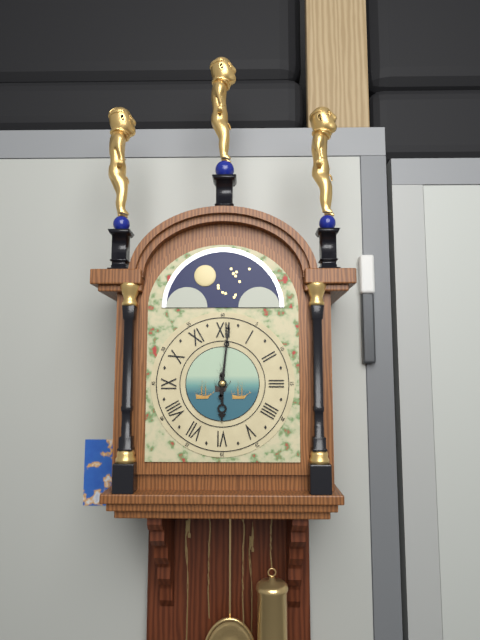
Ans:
6h01
